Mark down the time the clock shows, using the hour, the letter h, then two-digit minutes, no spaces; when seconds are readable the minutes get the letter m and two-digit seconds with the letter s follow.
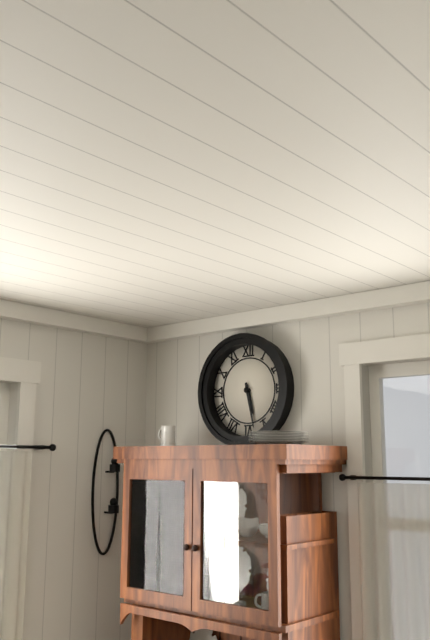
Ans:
5h28
